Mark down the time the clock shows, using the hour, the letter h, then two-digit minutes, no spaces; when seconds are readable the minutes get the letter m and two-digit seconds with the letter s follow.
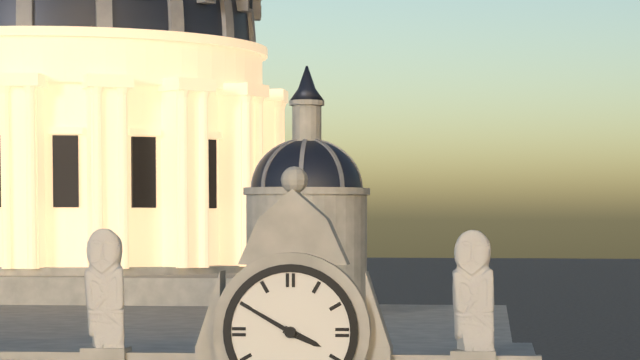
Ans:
3h50
